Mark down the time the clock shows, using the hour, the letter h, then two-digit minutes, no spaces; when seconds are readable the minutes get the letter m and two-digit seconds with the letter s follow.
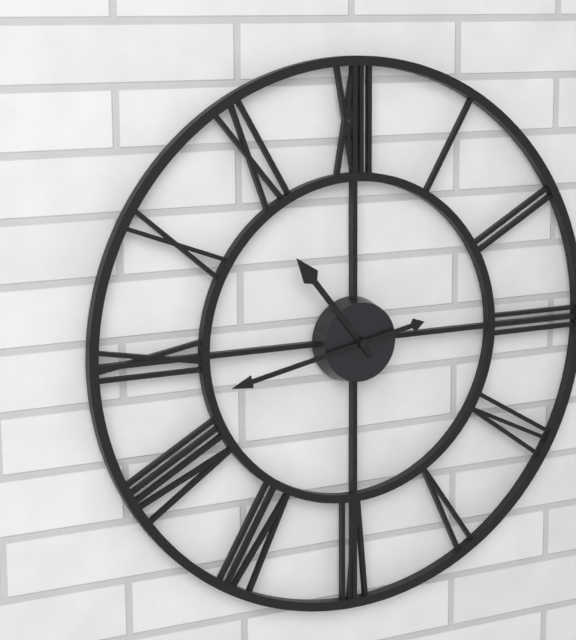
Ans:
10h43
